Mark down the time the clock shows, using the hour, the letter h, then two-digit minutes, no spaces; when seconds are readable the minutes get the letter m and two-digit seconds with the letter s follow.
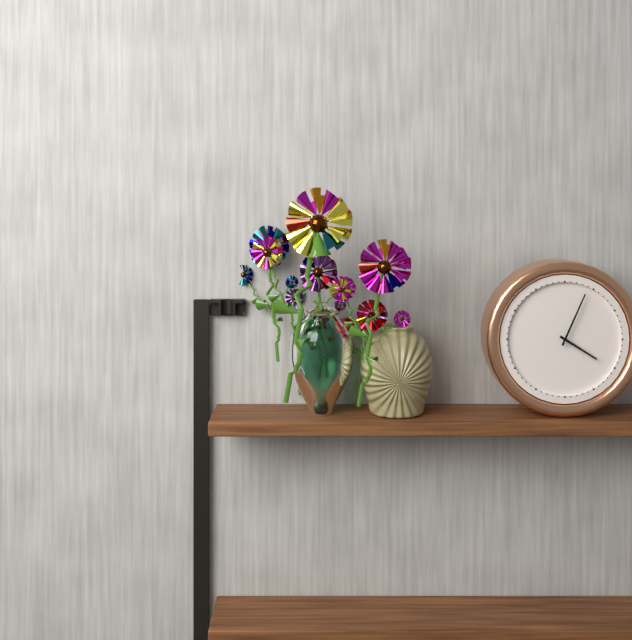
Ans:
4h04
